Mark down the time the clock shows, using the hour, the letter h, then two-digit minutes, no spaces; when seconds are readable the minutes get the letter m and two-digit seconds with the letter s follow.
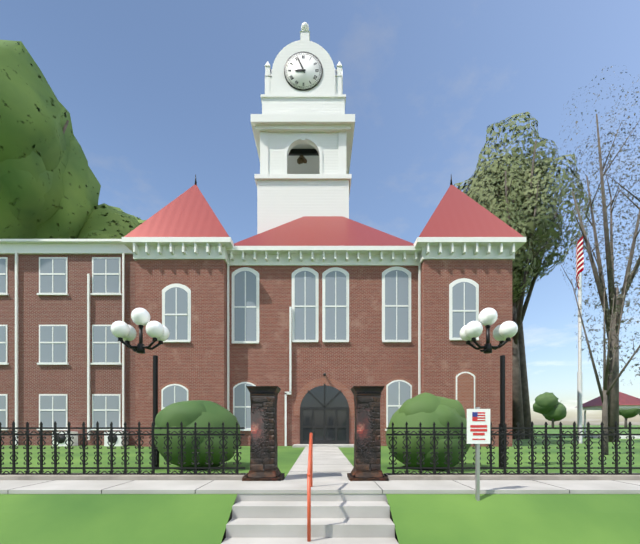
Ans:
8h56
